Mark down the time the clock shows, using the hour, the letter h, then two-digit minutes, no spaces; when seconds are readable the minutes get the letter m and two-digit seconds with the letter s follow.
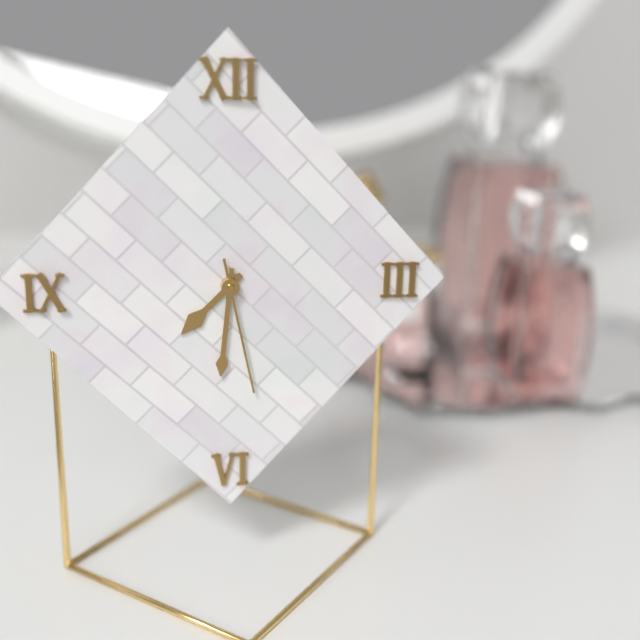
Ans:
7h31m28s
